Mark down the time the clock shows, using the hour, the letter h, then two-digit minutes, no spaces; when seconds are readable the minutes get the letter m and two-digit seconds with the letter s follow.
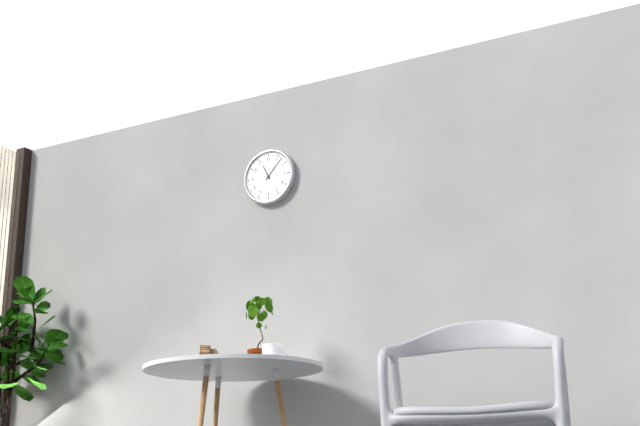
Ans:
11h07
